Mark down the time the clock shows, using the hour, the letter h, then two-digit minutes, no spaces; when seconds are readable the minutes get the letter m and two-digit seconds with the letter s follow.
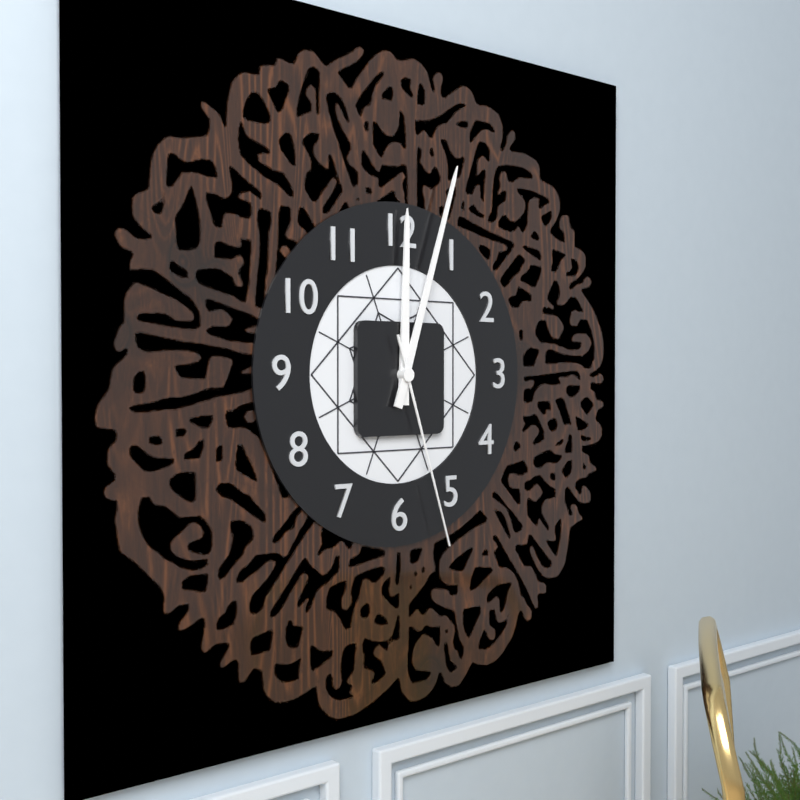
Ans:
12h03m27s
